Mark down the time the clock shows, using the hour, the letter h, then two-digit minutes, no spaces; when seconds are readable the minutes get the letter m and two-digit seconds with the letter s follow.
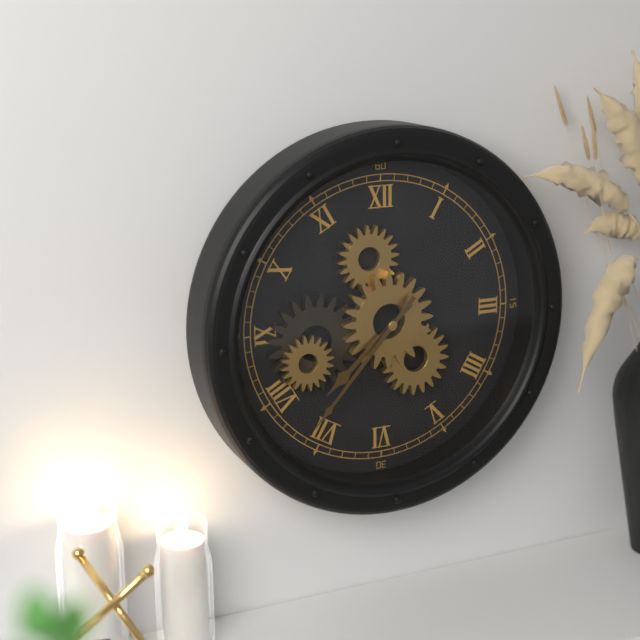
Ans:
7h37
